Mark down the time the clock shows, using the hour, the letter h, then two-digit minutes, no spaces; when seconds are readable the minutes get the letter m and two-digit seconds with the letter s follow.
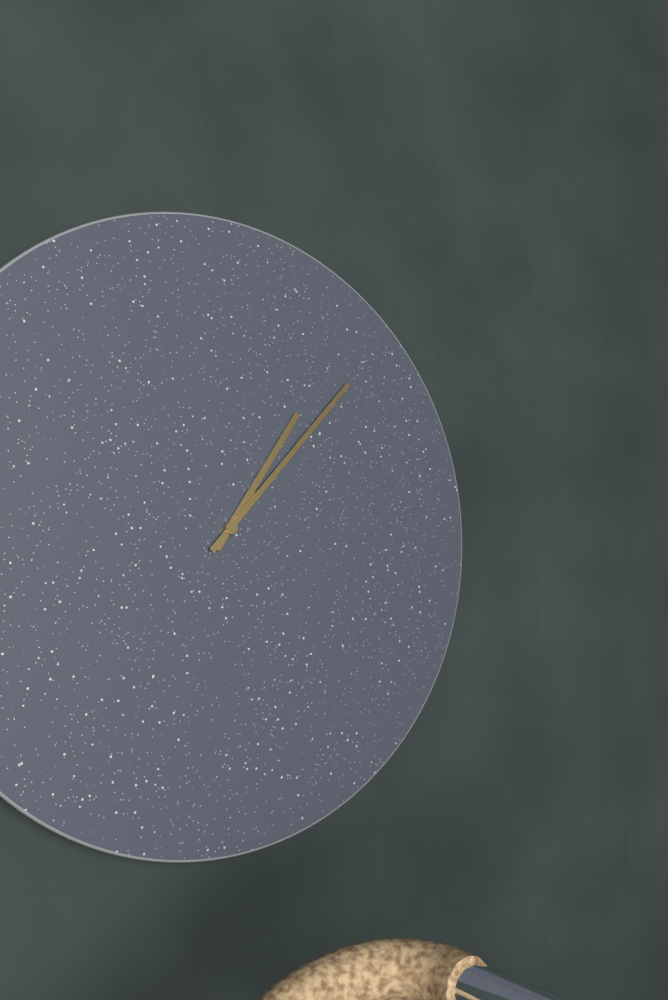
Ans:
1h07
